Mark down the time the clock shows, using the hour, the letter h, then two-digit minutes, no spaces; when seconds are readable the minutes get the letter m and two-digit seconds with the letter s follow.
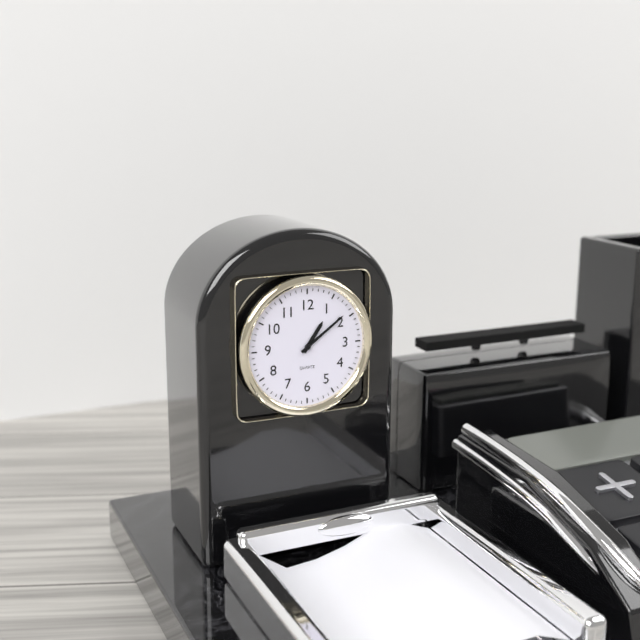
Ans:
1h09
